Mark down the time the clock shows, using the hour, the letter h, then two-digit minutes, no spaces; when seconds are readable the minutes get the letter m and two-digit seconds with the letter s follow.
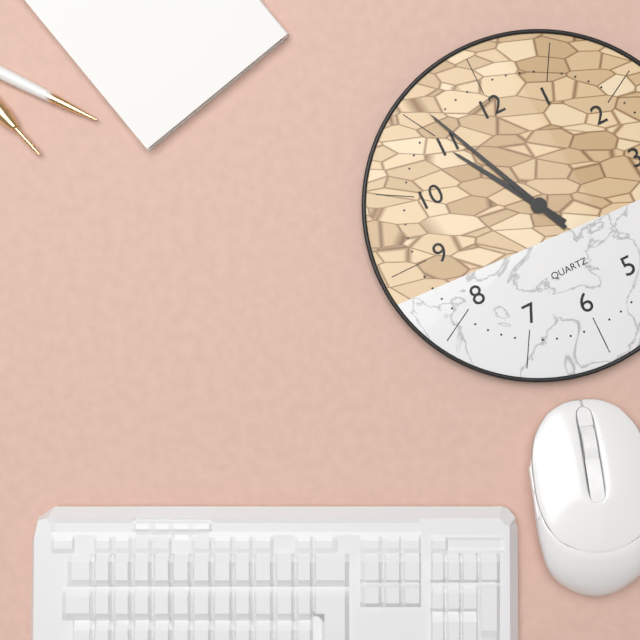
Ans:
10h56
